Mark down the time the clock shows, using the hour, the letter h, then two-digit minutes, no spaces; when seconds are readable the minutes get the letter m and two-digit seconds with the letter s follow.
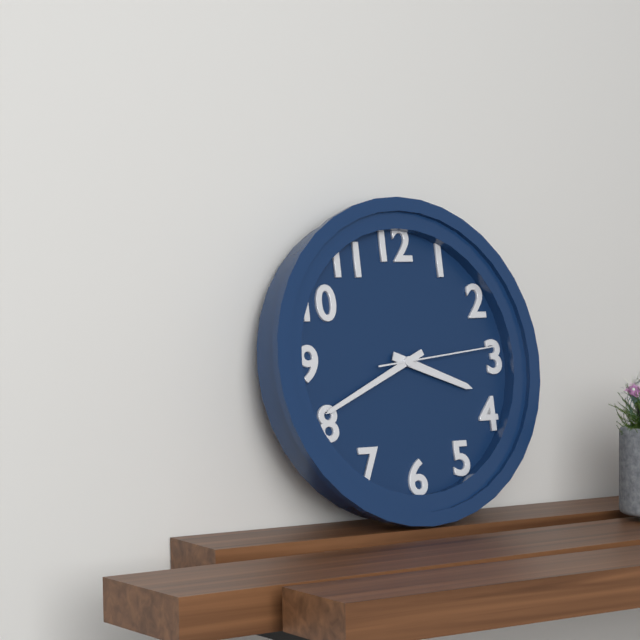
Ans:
3h41m14s
